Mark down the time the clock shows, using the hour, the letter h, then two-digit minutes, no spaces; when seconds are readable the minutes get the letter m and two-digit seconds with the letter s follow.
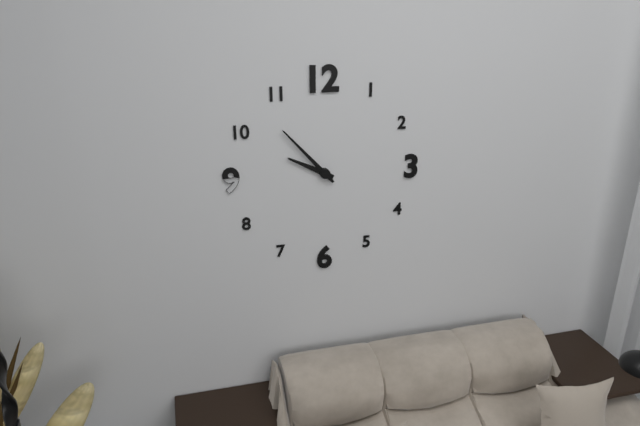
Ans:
9h53
